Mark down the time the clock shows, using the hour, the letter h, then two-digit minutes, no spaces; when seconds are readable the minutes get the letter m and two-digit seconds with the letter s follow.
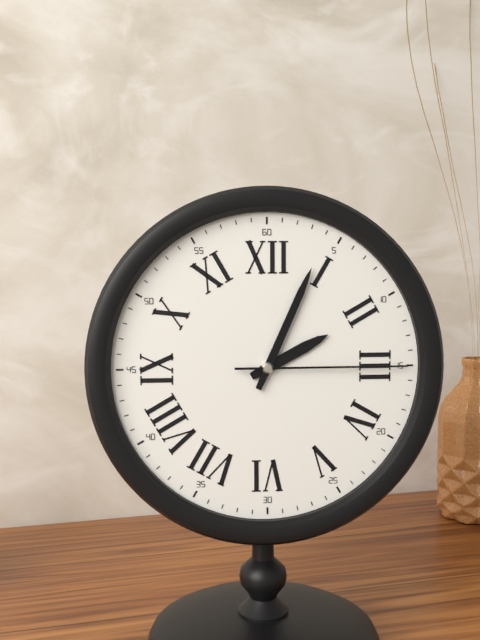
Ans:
2h04m15s
